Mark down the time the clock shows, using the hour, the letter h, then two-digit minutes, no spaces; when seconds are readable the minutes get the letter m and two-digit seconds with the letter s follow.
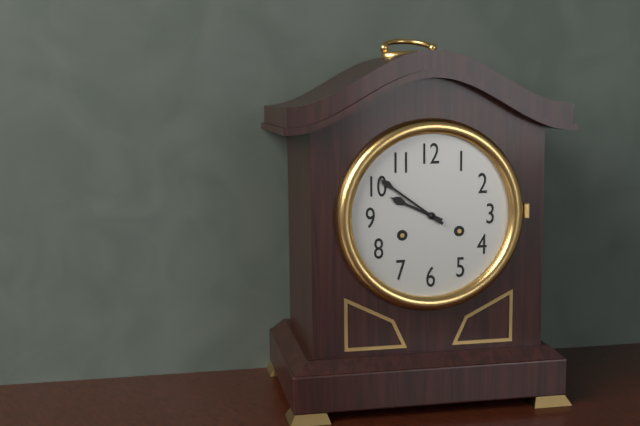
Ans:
9h51
